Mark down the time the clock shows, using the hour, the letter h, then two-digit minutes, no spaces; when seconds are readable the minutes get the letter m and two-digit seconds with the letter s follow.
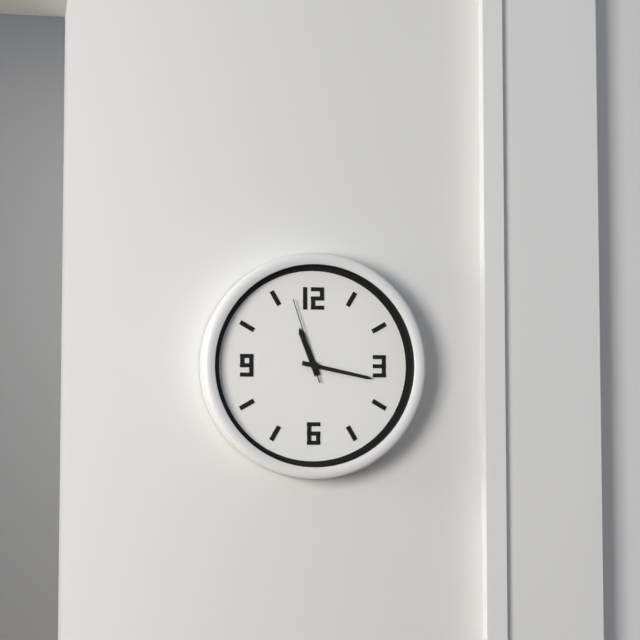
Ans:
11h17m57s
